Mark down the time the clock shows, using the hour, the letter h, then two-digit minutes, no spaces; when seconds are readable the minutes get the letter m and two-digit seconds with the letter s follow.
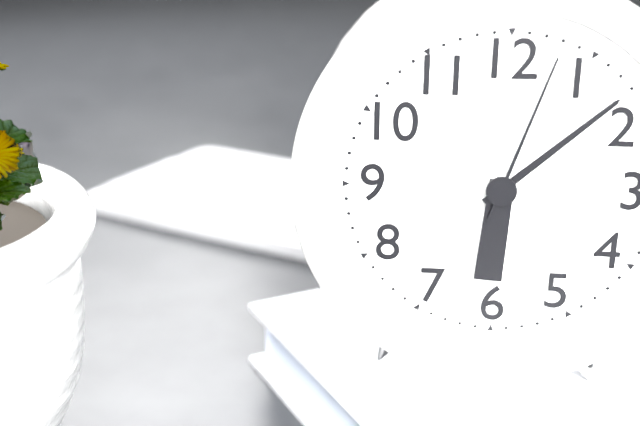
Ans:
6h08m03s
